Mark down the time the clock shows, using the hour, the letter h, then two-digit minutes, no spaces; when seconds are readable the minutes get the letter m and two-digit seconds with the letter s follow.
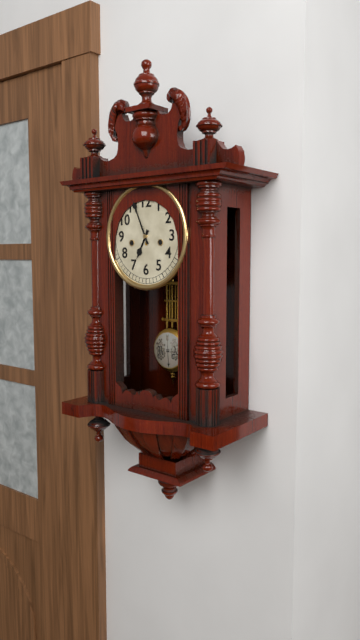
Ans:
6h56
